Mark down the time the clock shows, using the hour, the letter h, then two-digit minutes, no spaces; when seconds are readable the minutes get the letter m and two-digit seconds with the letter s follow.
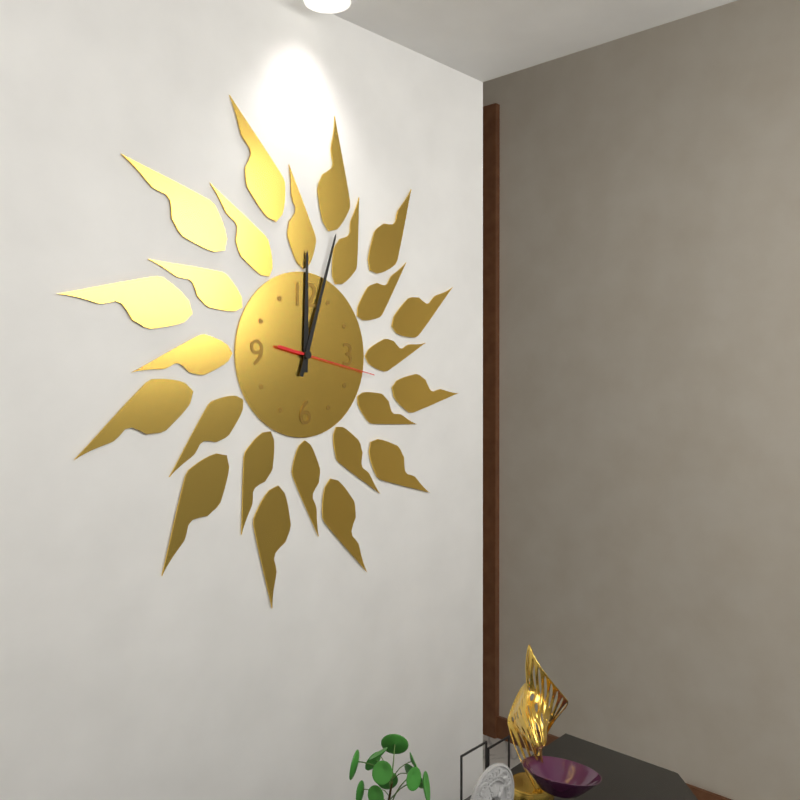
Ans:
12h03m17s
